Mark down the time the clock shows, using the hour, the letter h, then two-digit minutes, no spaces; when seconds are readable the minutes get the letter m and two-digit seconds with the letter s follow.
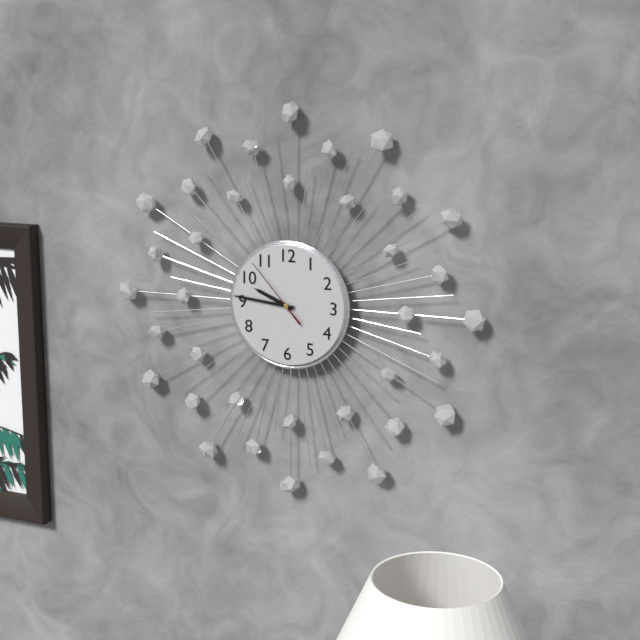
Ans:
9h46m53s
